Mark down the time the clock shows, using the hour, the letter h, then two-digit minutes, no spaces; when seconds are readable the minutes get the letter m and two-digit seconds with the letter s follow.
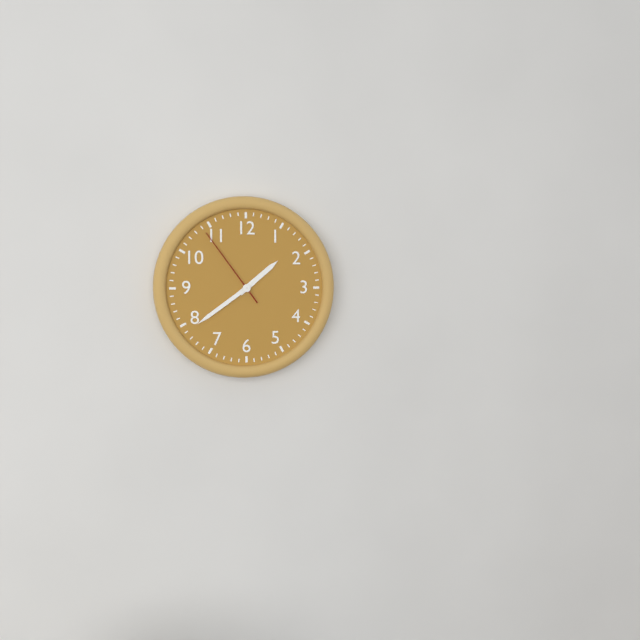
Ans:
1h39m54s
